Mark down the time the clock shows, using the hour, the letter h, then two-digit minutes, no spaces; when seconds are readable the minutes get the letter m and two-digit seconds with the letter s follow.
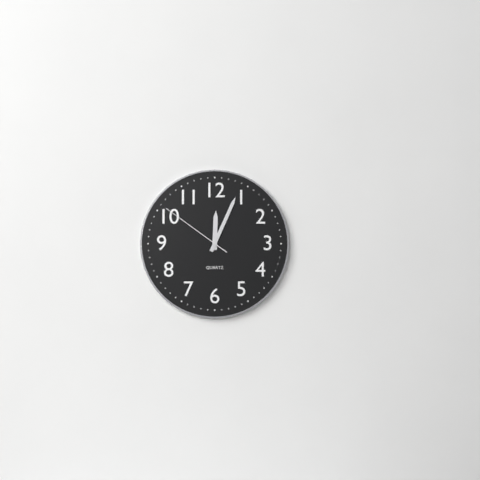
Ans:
12h04m51s
